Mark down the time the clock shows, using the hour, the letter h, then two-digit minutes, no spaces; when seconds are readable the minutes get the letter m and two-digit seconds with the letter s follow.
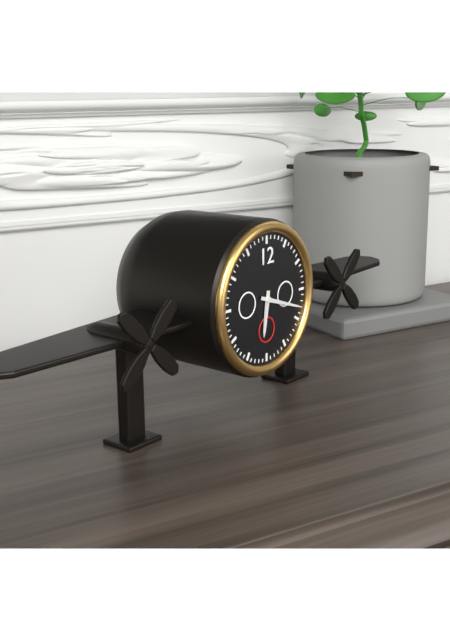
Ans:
6h18
